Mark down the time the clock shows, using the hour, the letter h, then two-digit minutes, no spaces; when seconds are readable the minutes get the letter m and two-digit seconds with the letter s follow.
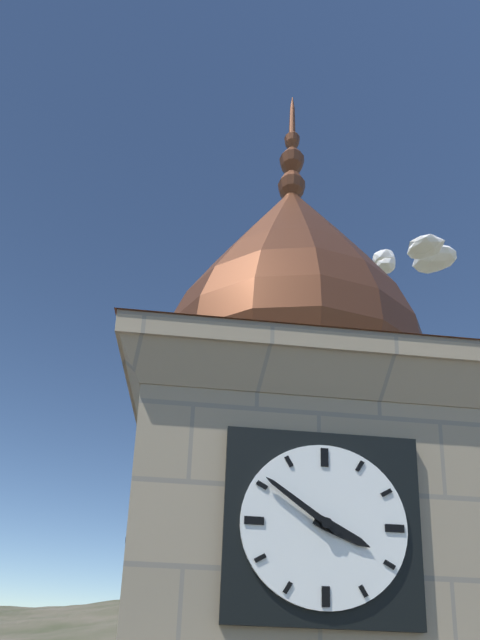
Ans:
3h51
